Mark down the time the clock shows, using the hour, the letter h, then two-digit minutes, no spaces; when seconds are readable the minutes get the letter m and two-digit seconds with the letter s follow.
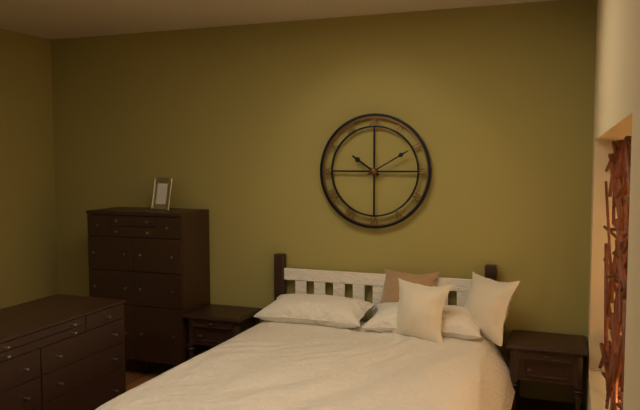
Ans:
10h10
